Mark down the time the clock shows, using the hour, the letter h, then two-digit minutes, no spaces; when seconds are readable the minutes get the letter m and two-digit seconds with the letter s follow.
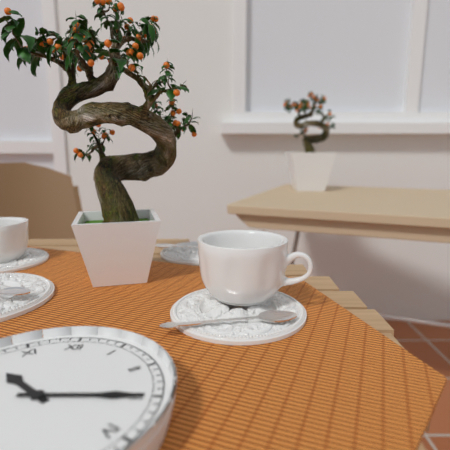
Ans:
10h15
